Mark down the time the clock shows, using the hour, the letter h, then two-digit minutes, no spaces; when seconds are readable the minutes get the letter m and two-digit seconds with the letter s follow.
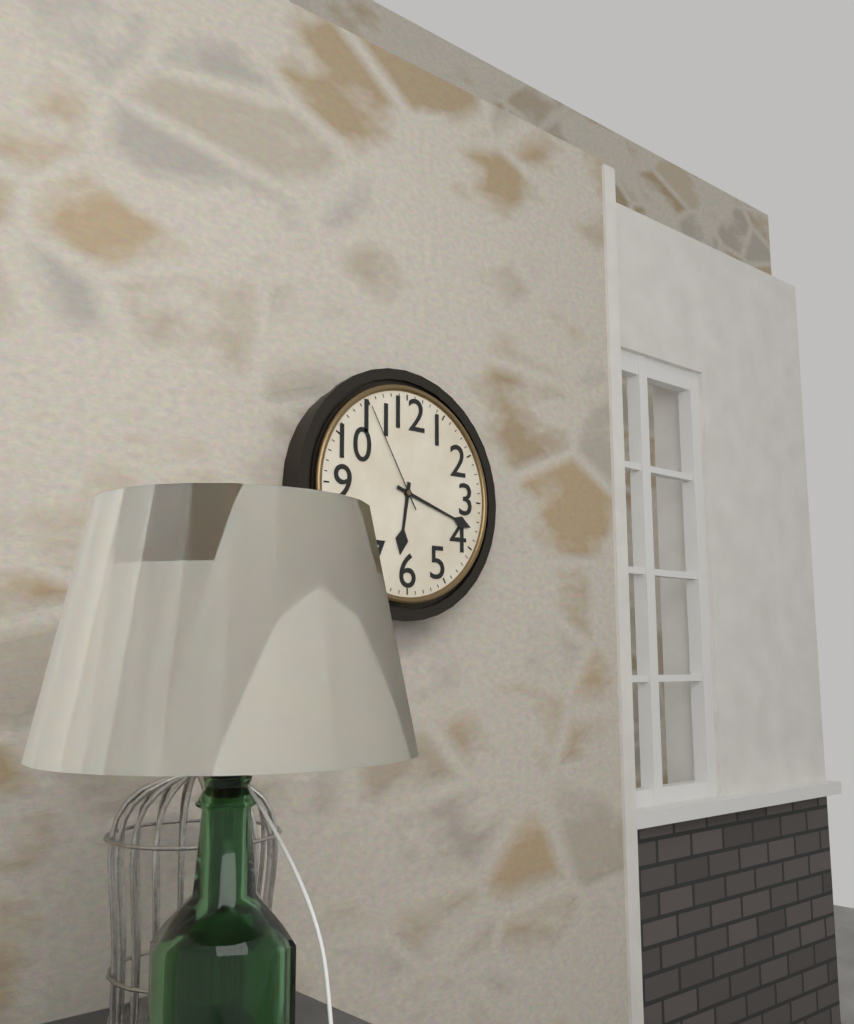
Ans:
6h18m55s
